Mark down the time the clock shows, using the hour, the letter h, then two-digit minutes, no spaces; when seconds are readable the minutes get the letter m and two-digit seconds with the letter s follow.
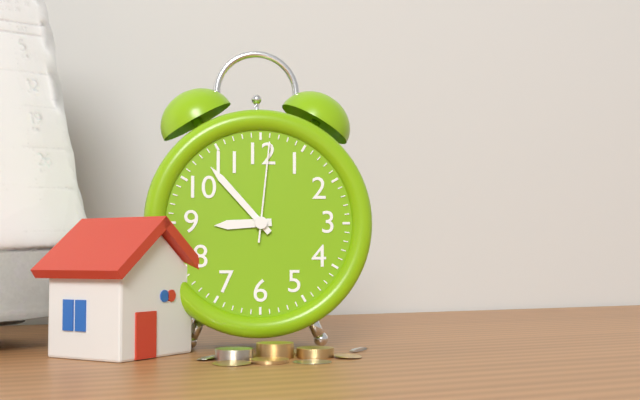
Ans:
8h53m01s
